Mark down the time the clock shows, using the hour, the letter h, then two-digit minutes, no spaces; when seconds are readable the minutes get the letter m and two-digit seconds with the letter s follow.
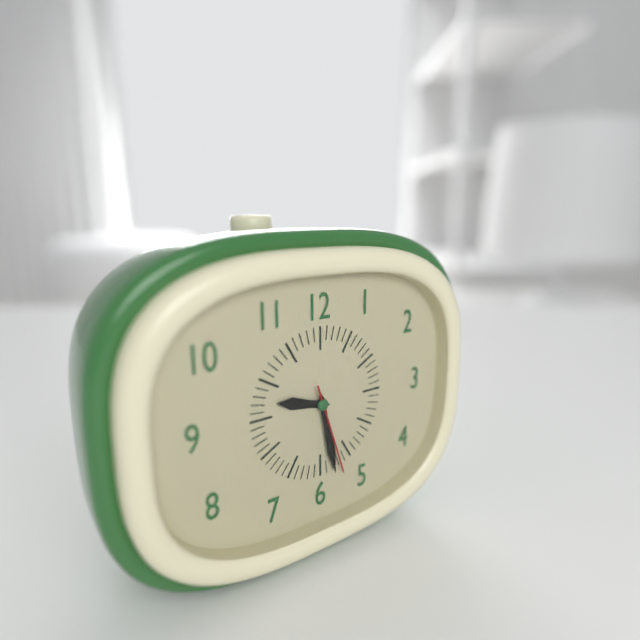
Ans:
9h28m27s
